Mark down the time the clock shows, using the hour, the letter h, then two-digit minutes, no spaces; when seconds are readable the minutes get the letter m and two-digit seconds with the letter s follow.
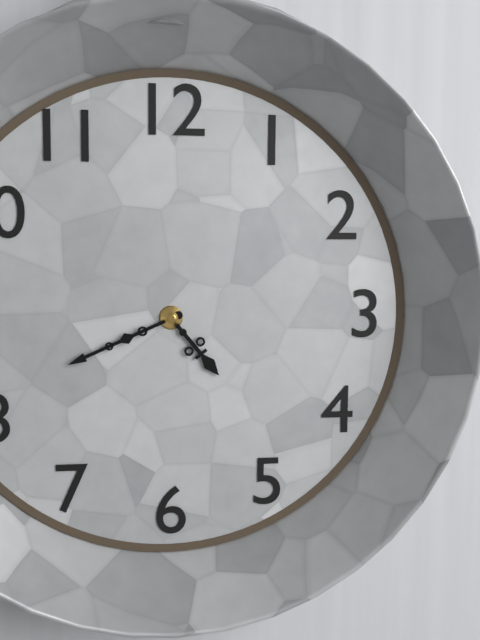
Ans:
4h41
